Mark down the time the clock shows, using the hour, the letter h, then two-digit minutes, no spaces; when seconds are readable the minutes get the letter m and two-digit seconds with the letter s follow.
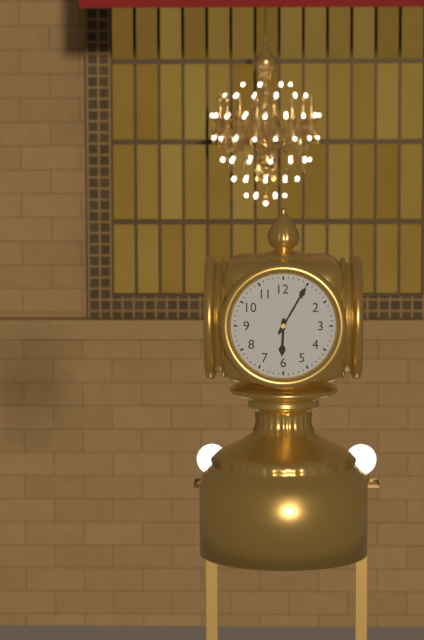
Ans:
6h05
